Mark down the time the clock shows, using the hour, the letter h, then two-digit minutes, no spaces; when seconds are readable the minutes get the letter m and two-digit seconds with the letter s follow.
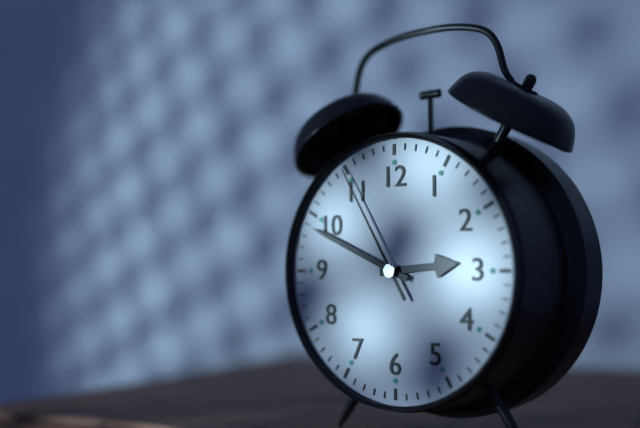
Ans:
2h49m55s
